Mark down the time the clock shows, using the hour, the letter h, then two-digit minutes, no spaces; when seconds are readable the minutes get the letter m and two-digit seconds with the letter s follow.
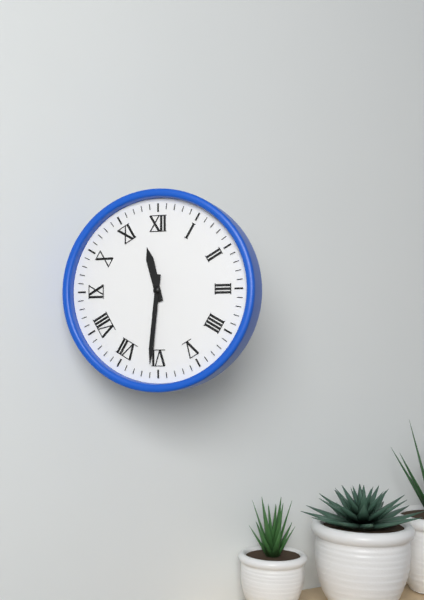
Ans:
11h31
